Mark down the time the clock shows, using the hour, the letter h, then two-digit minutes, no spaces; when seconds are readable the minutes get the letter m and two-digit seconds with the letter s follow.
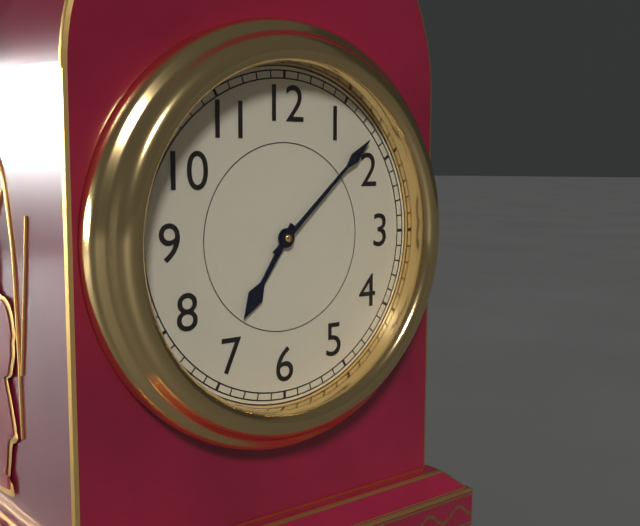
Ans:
7h08
